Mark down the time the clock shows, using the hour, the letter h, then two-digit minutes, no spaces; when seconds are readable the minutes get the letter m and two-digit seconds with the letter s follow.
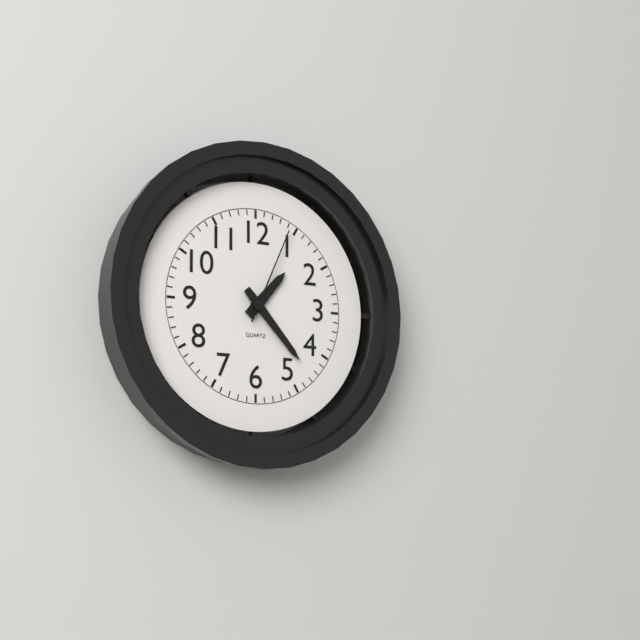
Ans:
1h23m04s
